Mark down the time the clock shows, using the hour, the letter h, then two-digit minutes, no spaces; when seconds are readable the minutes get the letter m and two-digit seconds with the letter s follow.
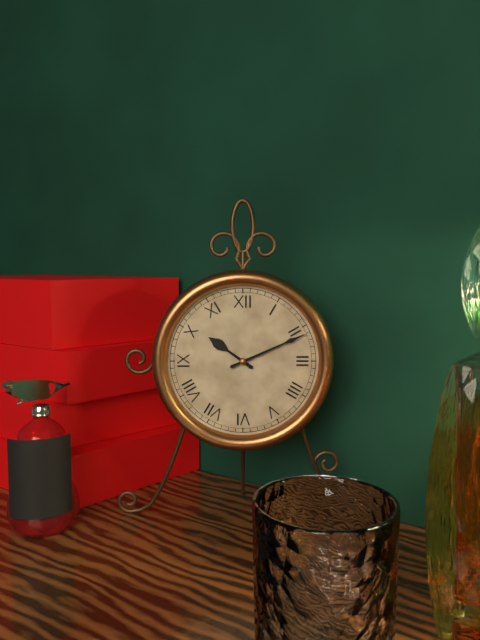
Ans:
10h11
